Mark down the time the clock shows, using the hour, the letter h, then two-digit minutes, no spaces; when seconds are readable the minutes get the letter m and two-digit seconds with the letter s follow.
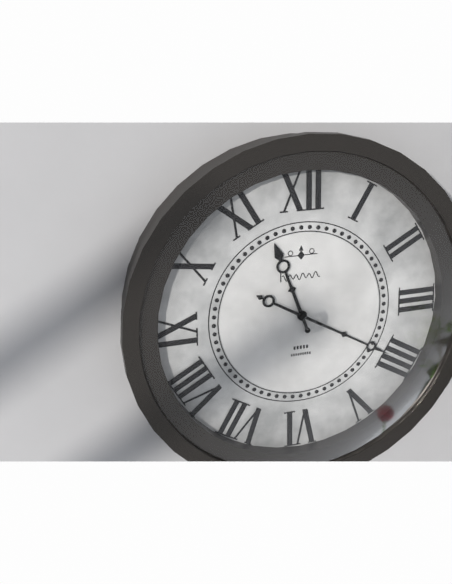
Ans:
11h20
